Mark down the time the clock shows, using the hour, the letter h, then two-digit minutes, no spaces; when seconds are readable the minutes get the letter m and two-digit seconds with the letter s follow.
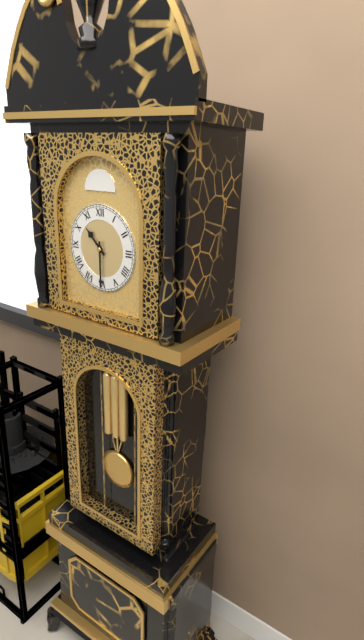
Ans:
10h30
